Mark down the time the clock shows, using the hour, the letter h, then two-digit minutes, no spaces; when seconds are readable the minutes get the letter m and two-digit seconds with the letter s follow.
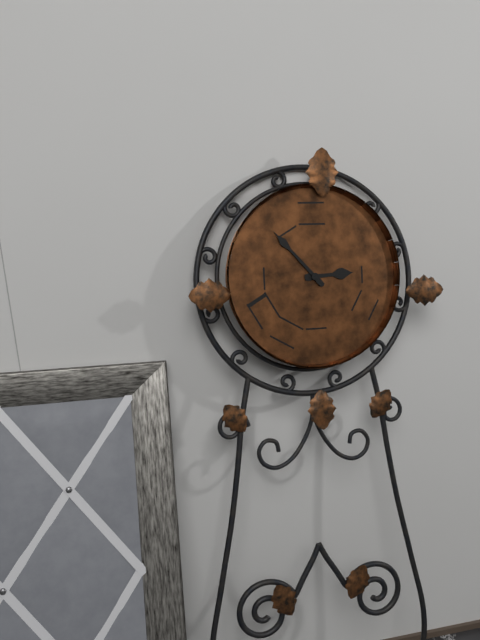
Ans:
2h53
